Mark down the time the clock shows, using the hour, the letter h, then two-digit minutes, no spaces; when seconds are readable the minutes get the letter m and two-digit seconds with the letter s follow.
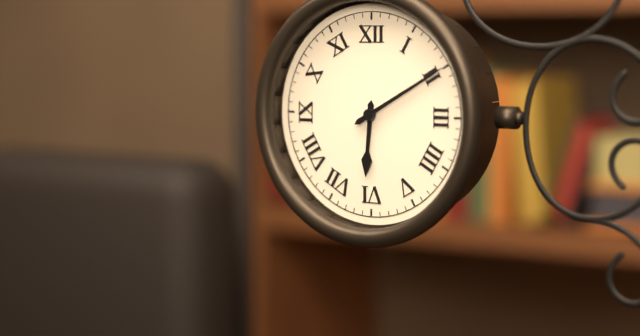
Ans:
6h10
